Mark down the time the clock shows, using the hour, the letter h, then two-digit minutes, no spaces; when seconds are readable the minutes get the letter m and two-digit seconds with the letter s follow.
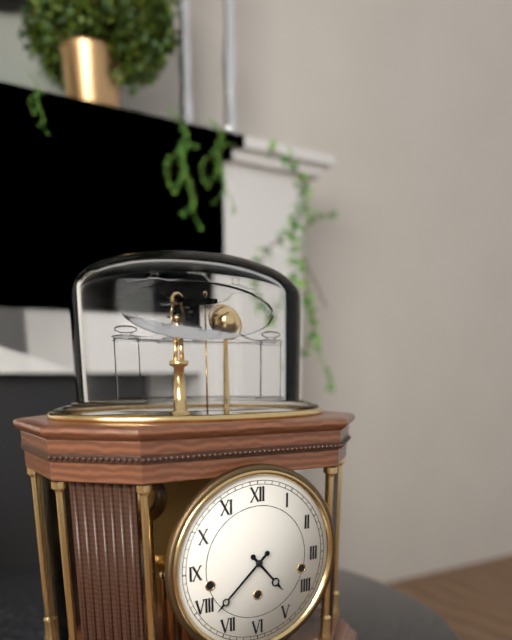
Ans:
4h38
